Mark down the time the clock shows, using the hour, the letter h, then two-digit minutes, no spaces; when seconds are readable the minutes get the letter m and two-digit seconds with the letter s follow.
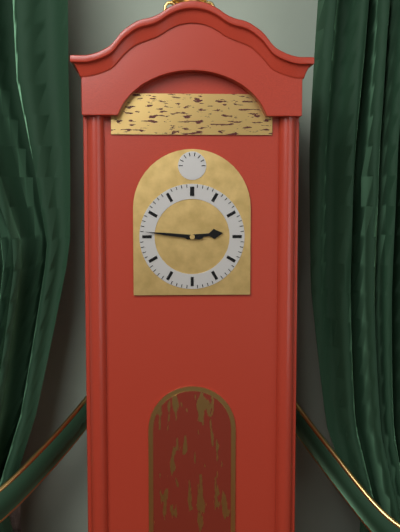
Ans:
2h46
